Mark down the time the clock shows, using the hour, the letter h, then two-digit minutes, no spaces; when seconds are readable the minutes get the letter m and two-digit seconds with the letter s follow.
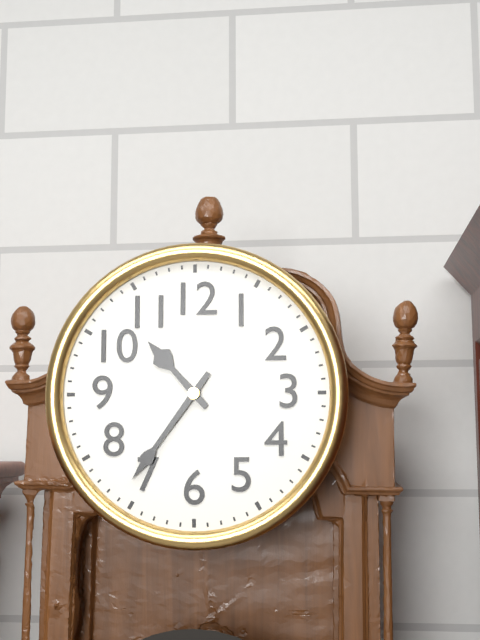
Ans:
10h36
